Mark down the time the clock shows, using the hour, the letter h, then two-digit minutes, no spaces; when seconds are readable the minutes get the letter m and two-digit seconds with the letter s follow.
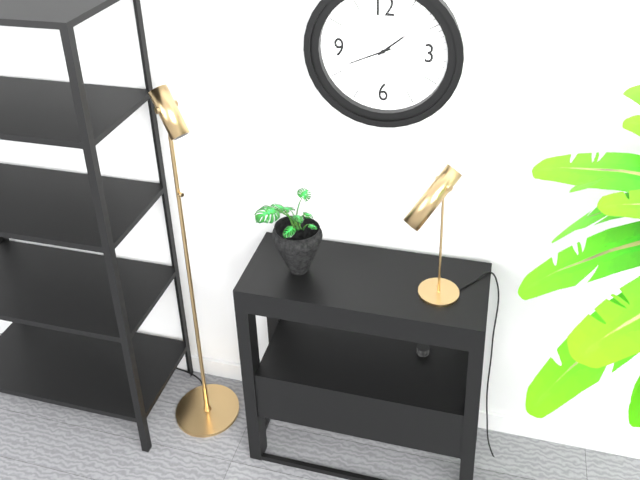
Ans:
1h41
